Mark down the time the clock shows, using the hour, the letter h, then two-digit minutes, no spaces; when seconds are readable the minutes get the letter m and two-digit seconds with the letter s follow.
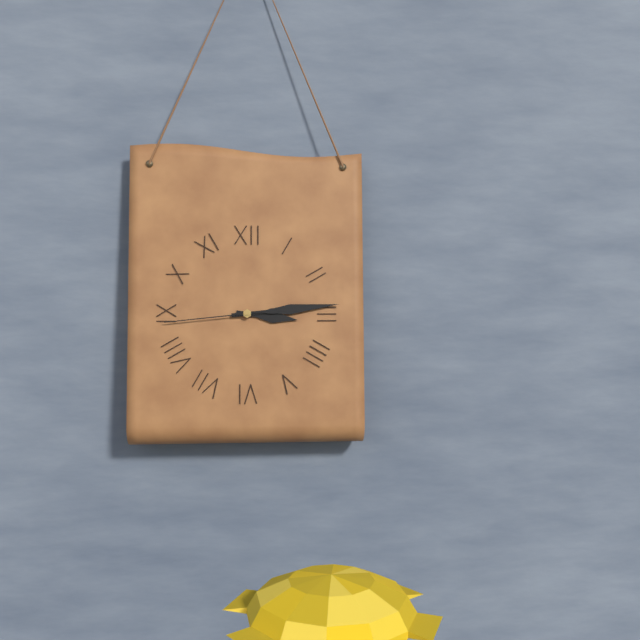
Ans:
3h14m44s
